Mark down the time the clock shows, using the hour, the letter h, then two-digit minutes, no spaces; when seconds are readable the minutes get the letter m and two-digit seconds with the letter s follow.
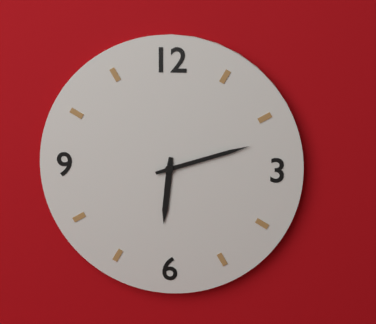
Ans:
6h12
